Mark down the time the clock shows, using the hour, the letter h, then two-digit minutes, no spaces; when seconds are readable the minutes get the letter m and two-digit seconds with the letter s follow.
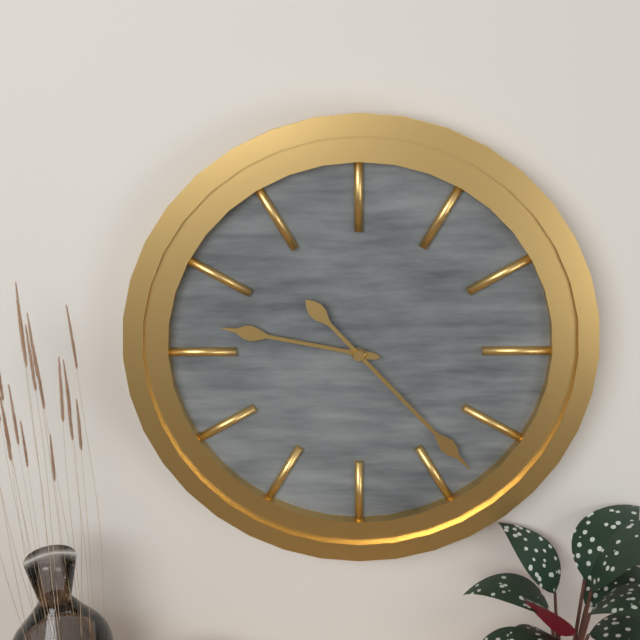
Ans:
9h23
